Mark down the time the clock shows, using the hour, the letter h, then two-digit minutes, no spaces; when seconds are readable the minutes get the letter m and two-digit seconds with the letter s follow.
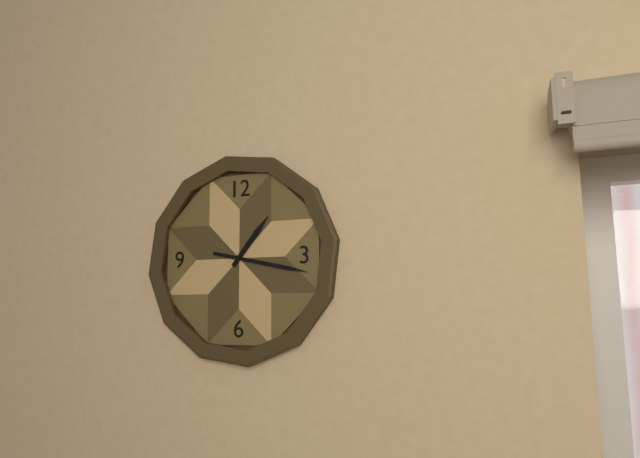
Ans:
1h17
